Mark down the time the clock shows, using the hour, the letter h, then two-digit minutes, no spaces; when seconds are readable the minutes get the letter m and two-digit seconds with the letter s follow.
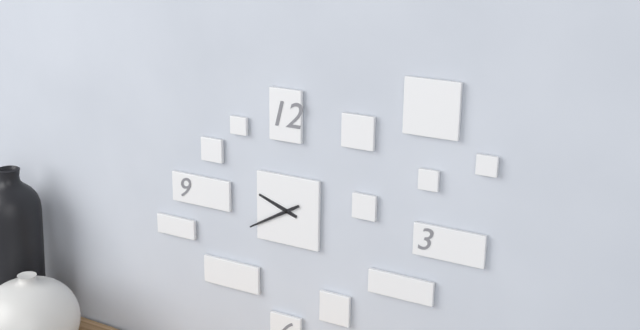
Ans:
9h40
